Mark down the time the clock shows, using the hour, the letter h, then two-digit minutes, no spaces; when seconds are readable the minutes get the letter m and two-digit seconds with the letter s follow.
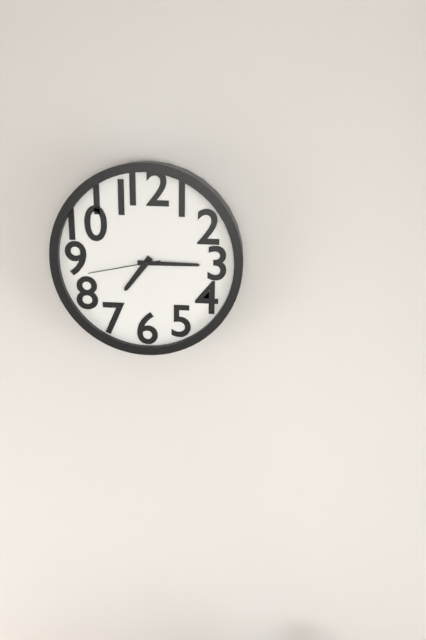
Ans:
7h15m43s
